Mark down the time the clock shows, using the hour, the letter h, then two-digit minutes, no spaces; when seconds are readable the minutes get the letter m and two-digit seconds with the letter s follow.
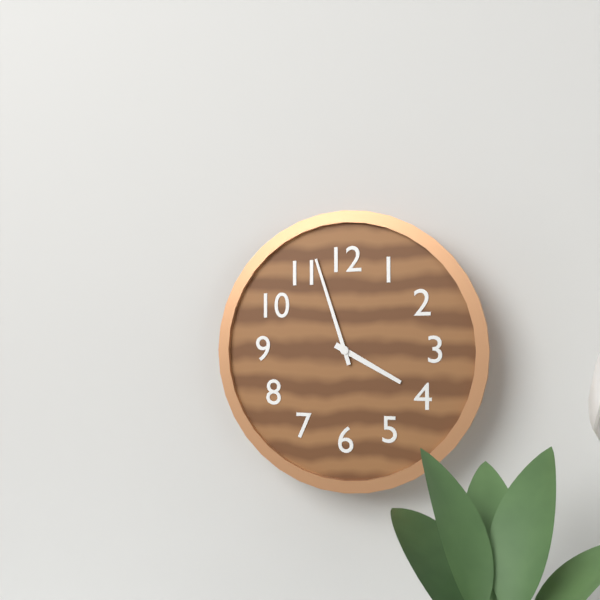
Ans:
3h57
